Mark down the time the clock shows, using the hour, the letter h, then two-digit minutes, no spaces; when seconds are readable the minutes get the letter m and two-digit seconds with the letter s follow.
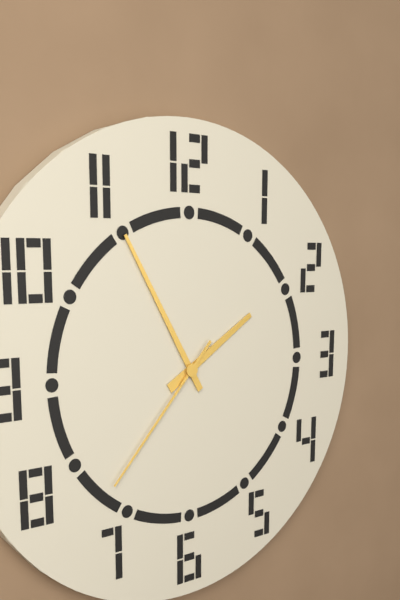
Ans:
1h55m37s
